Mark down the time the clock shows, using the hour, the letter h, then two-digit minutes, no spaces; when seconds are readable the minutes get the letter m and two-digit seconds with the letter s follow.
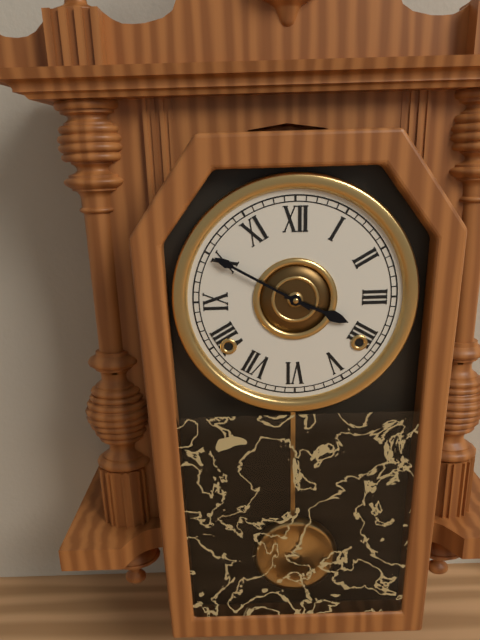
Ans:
3h50
